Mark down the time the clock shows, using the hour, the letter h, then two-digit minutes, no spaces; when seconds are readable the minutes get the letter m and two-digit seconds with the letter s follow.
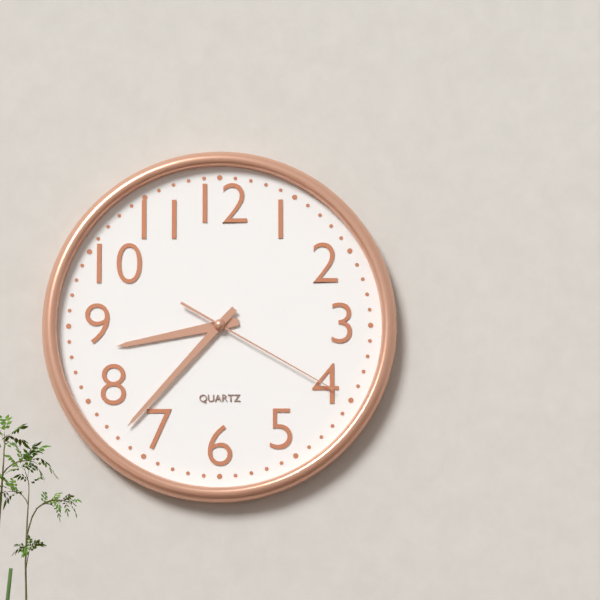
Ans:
8h37m20s
